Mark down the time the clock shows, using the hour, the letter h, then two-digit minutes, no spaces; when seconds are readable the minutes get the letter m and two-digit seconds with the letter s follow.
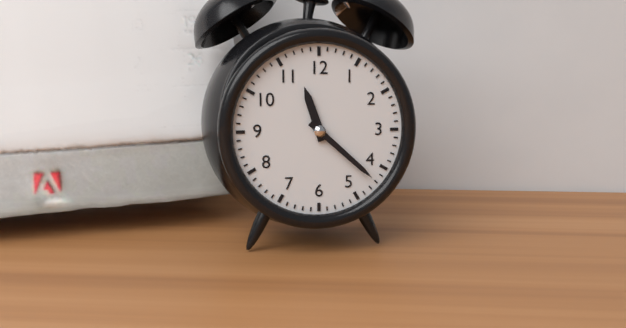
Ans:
11h22
